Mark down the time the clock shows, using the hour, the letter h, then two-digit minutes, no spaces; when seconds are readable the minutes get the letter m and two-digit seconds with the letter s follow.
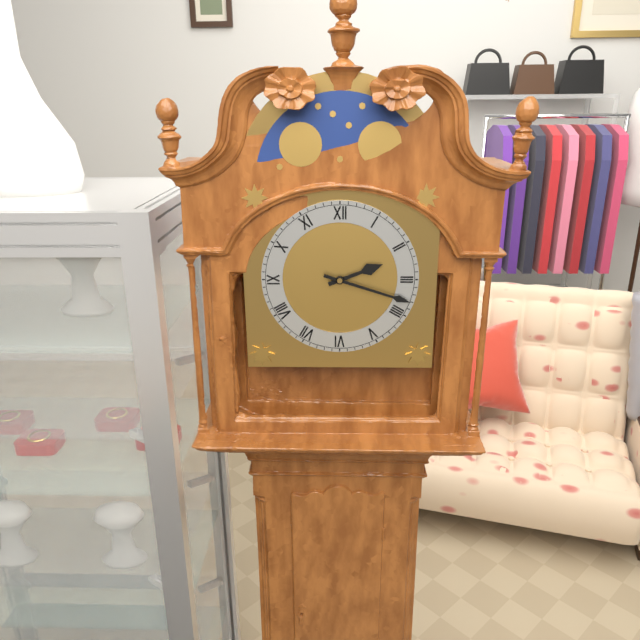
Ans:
2h18
